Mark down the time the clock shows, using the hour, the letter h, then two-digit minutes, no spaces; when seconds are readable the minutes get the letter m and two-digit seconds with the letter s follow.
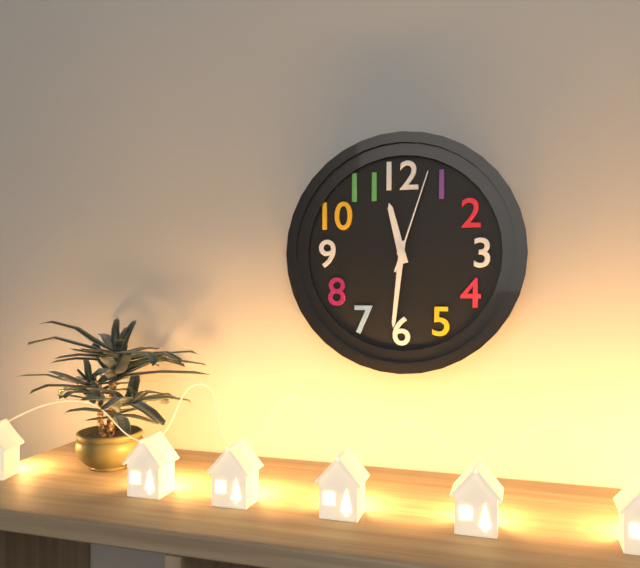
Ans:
11h31m03s
